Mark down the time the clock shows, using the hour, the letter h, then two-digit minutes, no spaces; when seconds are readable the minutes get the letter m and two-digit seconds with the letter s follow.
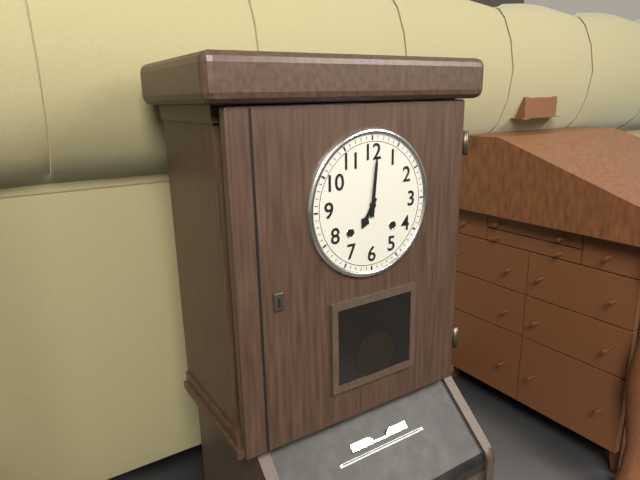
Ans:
7h01
